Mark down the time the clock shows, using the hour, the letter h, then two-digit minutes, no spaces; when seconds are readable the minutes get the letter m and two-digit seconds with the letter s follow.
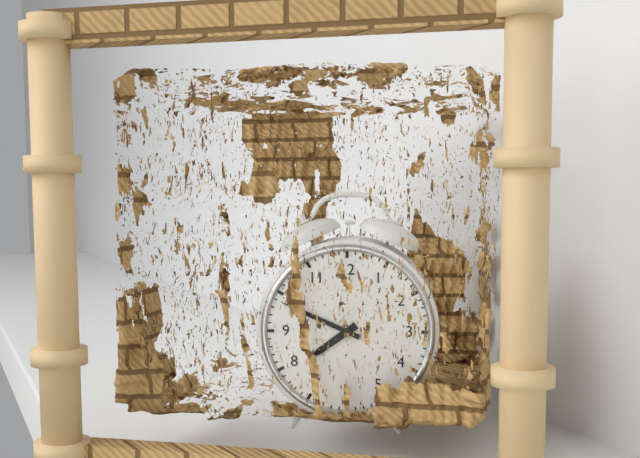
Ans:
7h49
